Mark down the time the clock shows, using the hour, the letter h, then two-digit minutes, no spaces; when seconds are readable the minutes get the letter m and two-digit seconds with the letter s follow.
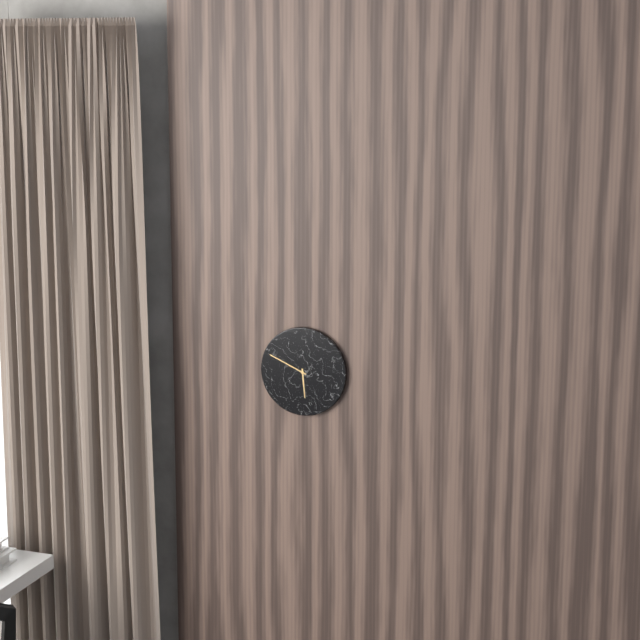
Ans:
5h49
